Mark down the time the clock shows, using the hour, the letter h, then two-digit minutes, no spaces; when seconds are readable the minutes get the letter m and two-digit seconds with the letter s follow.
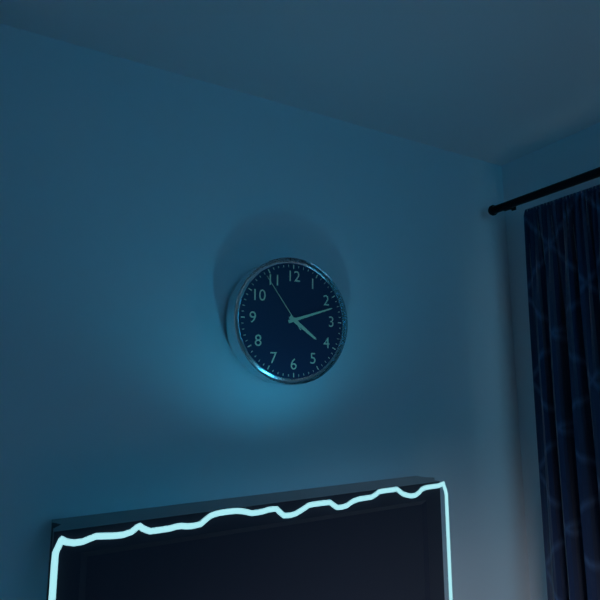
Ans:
4h12m54s
